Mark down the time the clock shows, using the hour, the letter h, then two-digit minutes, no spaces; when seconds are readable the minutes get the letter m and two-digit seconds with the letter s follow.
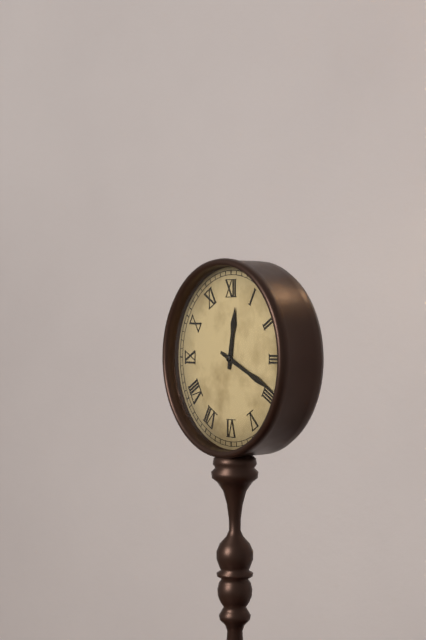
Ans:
12h19
